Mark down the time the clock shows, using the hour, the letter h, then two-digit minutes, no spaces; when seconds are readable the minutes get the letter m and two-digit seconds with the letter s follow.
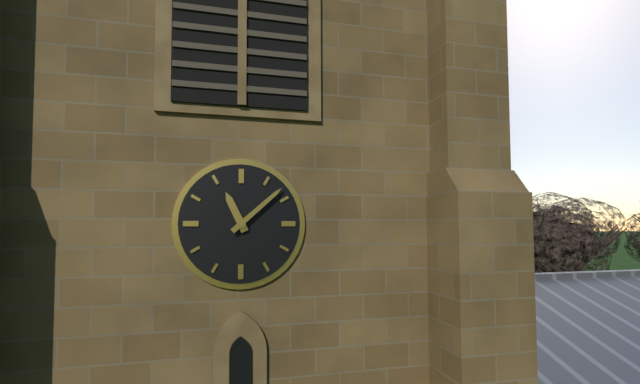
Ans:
11h08
